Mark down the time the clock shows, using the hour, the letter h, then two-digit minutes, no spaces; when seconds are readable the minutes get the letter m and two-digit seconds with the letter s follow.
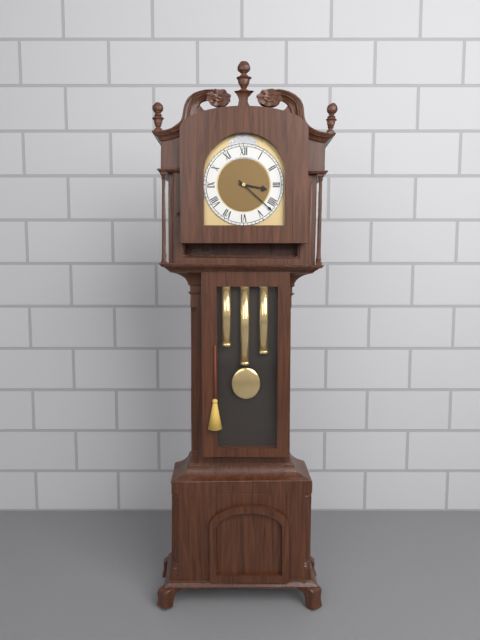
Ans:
3h22
